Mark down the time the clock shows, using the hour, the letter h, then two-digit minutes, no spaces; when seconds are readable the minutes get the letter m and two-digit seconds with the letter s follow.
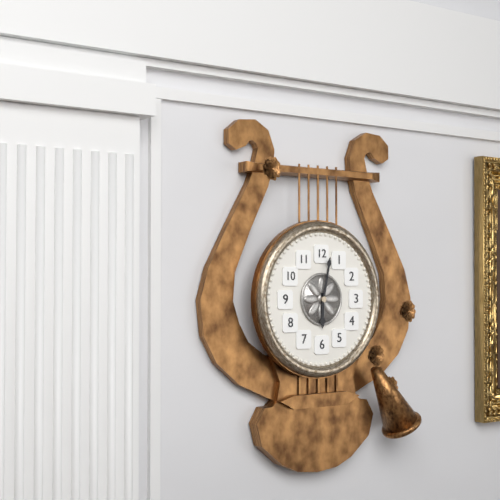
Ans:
6h02
